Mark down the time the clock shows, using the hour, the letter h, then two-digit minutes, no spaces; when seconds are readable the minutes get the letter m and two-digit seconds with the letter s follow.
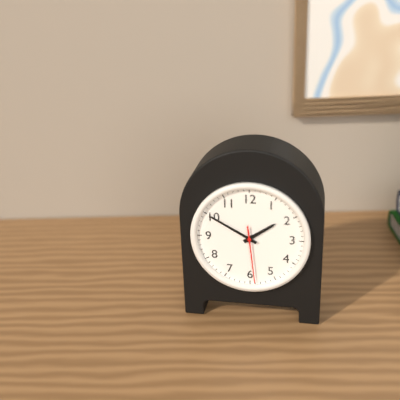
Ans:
1h50m29s
